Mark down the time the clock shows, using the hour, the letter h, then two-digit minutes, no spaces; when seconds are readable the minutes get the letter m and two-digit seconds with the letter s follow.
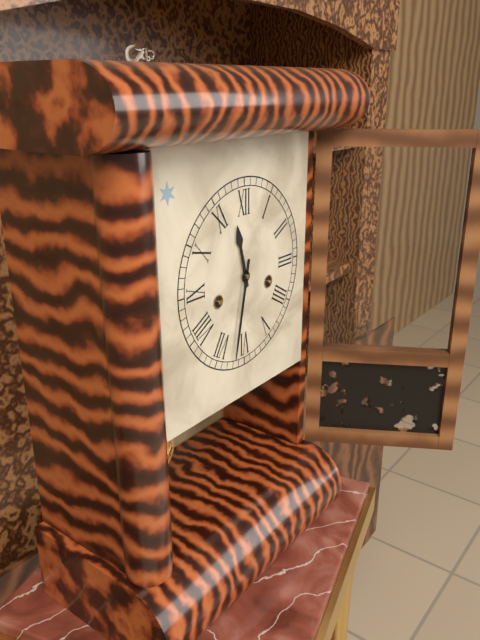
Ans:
11h32
